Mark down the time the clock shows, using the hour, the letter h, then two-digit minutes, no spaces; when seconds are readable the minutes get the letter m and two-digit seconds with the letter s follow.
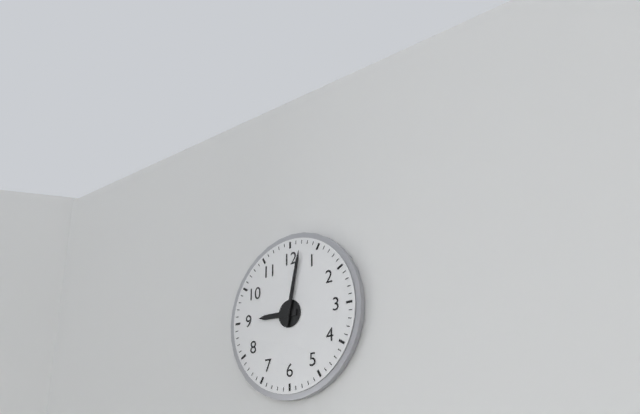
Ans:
9h02
